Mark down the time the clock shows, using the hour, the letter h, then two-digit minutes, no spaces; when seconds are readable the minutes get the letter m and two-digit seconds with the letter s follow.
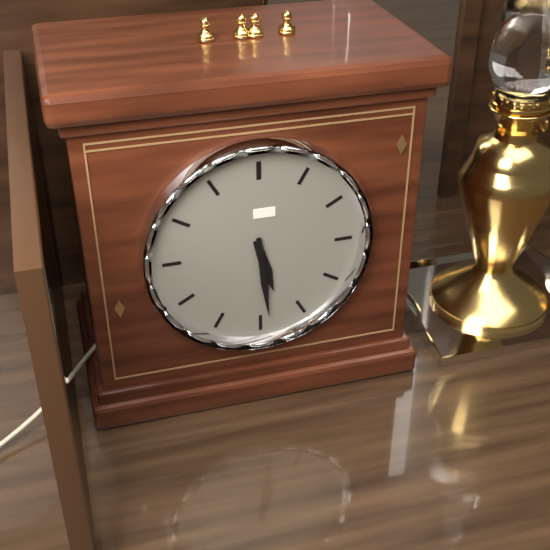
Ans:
5h29
